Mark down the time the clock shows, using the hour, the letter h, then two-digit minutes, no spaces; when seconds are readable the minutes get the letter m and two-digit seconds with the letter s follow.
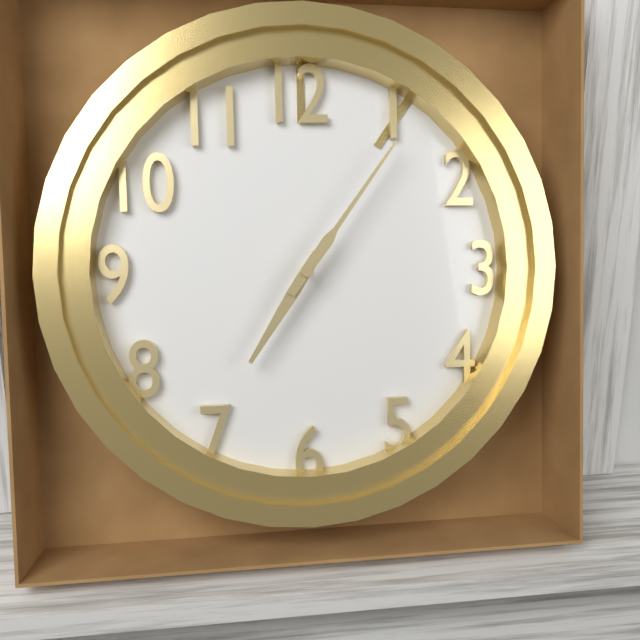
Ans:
7h06
